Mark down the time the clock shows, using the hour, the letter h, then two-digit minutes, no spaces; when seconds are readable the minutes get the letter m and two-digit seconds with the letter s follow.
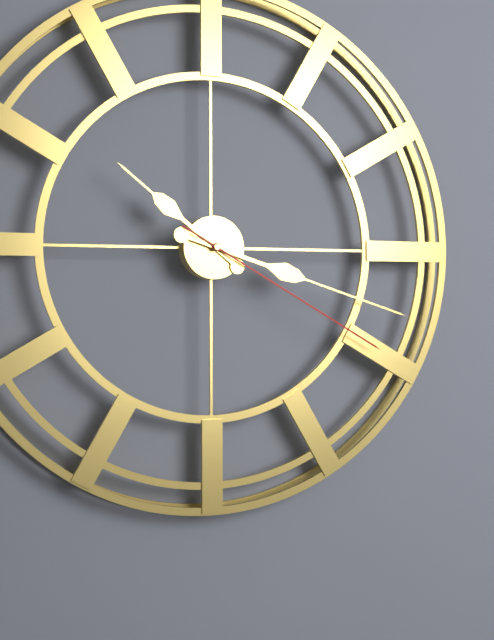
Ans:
10h18m20s
